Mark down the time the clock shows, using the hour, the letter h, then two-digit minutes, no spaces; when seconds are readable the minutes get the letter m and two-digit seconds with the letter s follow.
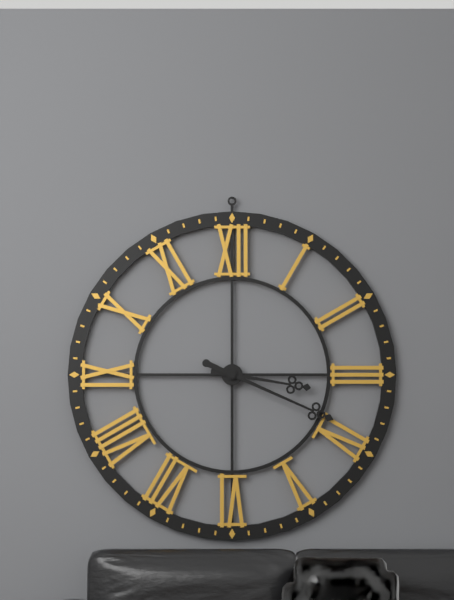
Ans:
3h19
